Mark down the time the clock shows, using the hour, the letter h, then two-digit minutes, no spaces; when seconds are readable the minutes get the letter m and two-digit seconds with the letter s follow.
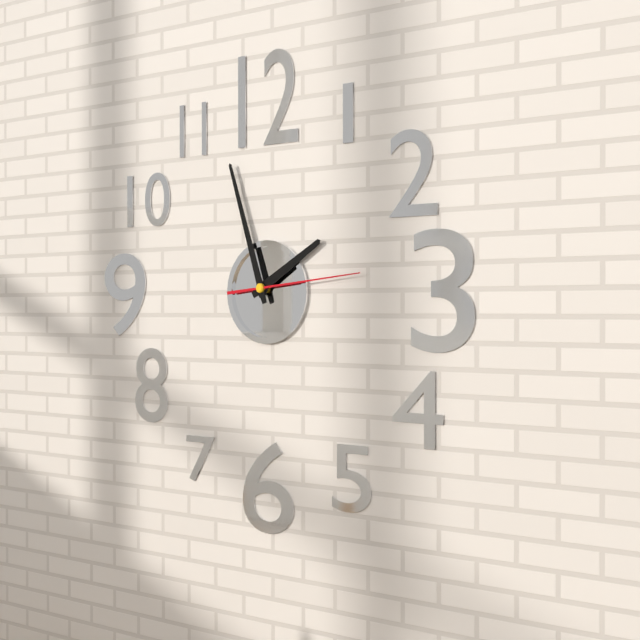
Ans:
1h57m14s
